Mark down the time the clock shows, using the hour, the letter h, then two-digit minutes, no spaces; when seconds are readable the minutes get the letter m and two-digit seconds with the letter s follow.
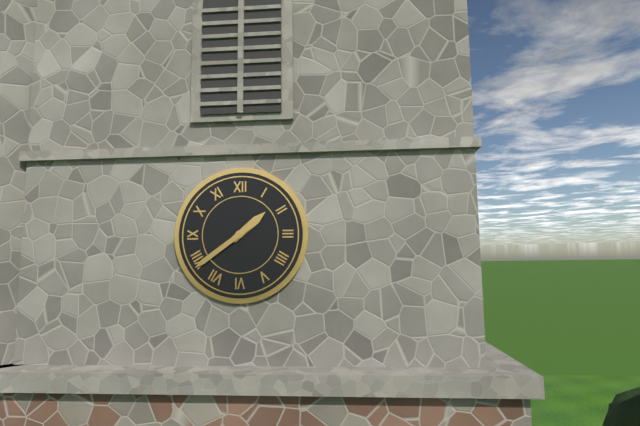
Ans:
1h39
